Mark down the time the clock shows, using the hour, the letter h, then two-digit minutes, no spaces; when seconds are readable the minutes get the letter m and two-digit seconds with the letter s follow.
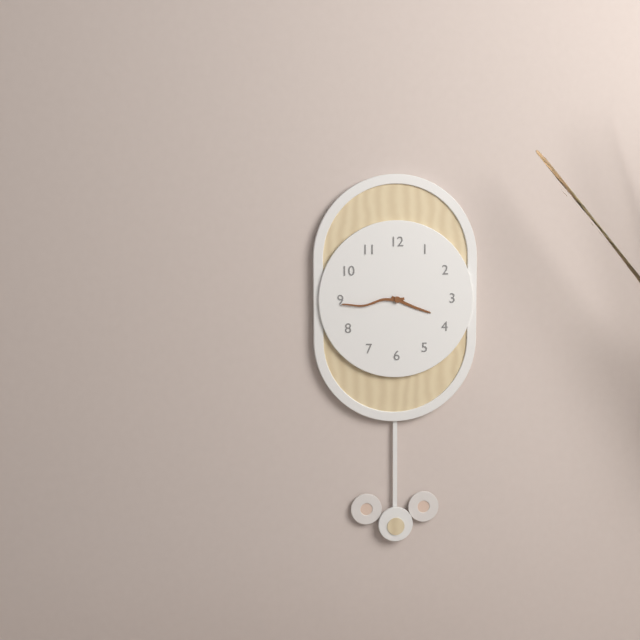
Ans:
3h44
